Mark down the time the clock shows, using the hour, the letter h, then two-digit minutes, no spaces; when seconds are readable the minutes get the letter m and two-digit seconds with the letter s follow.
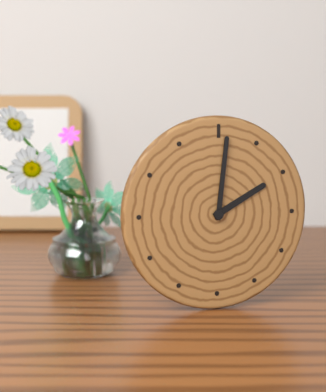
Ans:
2h01
